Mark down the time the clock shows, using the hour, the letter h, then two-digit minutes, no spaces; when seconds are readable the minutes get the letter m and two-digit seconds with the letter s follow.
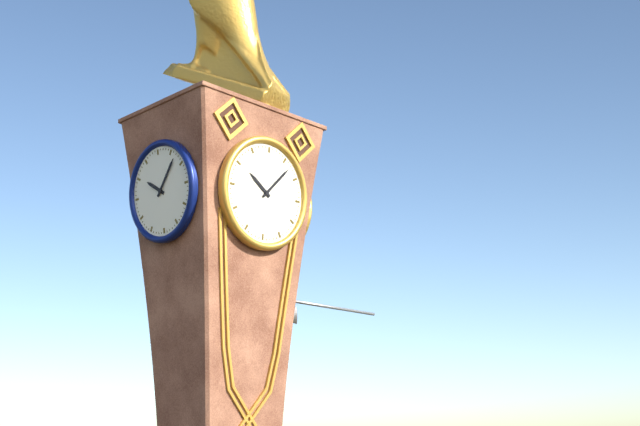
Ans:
10h07
